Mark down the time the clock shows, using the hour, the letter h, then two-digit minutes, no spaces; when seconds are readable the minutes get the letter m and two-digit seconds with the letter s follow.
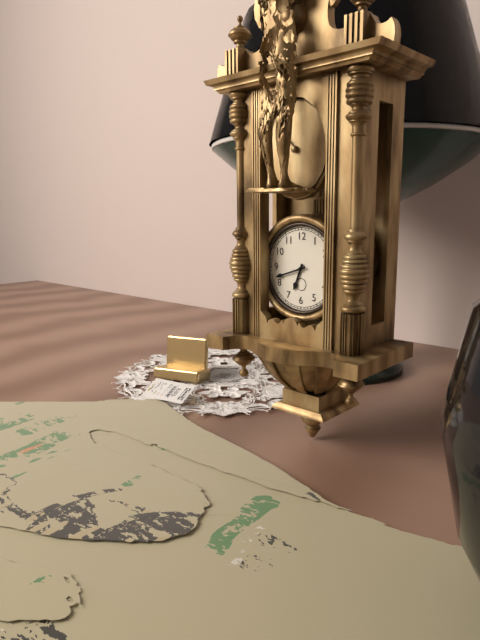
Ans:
6h42
